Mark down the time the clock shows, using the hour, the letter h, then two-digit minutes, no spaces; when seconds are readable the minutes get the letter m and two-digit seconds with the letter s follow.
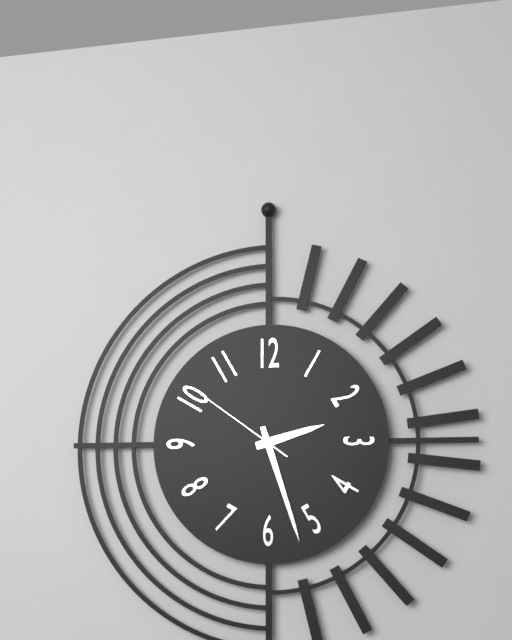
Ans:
2h27m51s
